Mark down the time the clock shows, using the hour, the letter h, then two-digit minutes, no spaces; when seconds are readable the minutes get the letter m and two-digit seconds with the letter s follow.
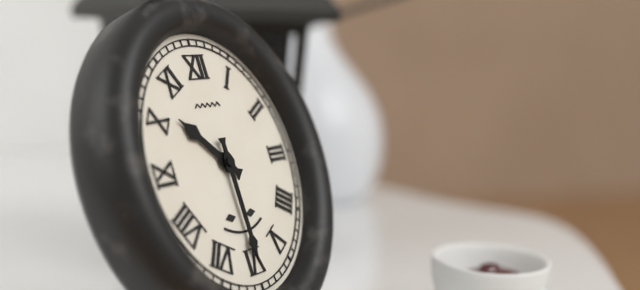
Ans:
10h30
